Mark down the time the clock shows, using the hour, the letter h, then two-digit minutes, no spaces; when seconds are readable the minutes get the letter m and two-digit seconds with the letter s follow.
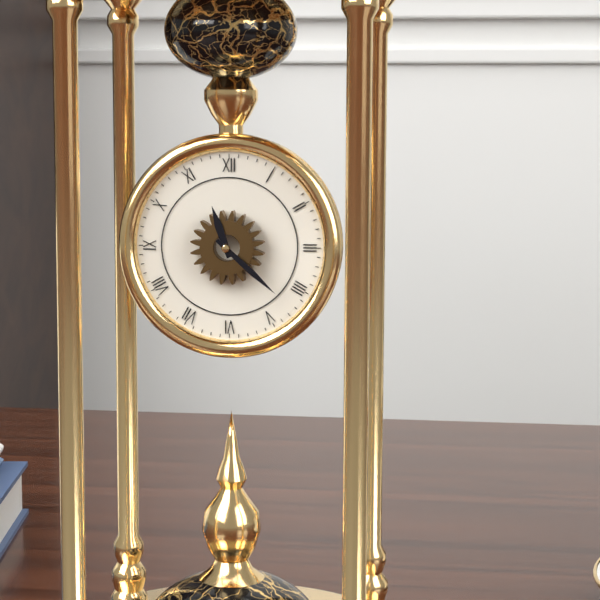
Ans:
11h22
